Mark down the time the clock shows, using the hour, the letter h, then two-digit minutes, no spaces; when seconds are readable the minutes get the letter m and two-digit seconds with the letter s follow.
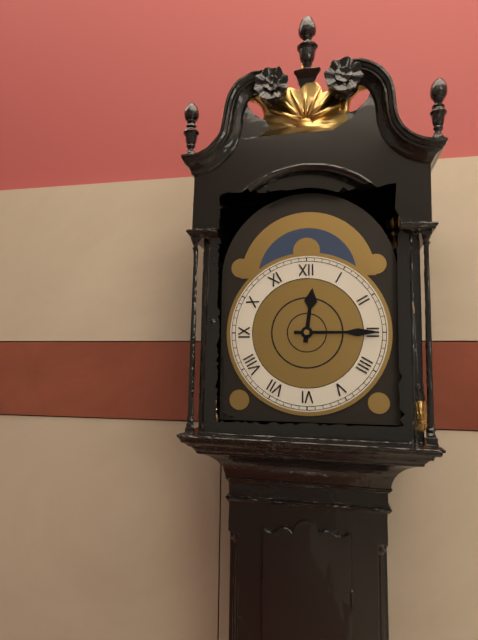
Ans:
12h15
